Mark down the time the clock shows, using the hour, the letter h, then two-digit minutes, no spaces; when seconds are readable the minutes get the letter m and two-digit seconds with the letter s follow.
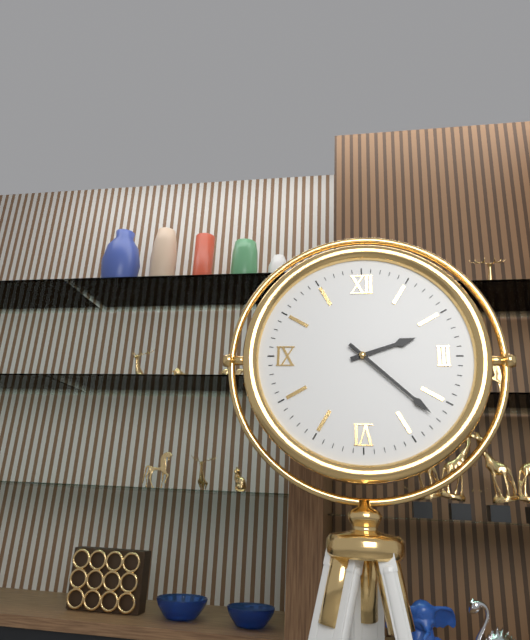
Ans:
2h22
